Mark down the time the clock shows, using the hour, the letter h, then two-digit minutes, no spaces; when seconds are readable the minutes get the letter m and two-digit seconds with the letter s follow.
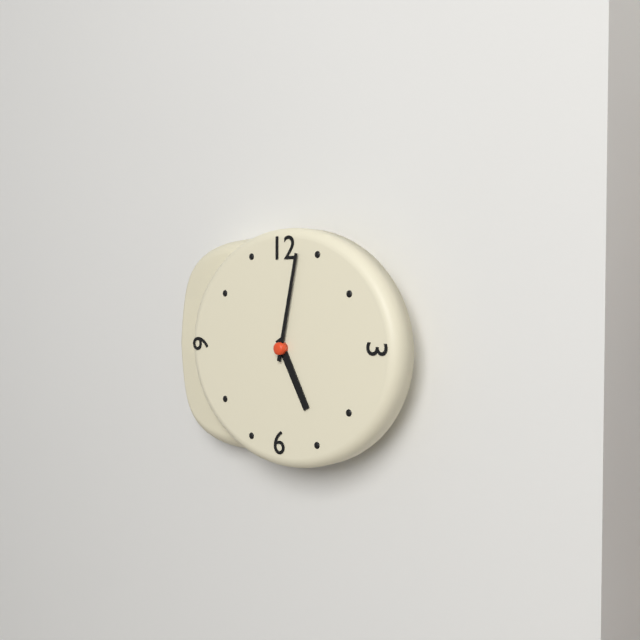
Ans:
5h02
